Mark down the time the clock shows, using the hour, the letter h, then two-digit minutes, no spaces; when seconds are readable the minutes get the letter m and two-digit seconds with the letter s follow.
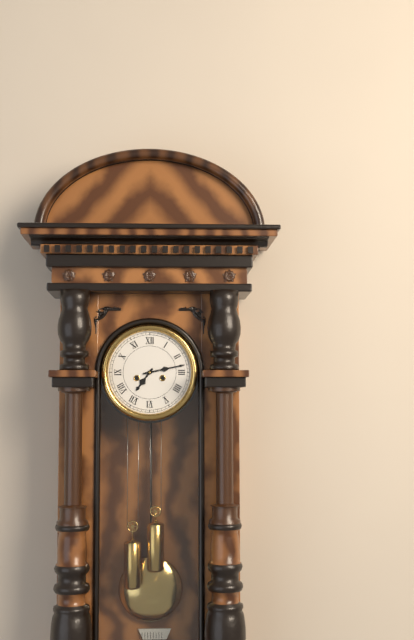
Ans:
7h13
